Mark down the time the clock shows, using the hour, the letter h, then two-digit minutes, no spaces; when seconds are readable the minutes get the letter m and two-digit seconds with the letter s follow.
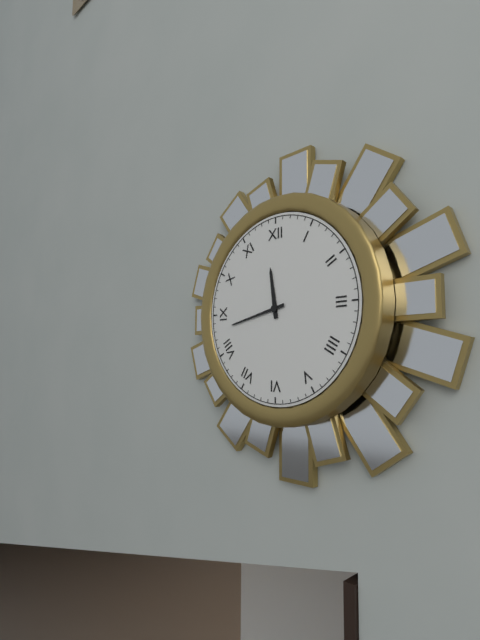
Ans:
11h43
